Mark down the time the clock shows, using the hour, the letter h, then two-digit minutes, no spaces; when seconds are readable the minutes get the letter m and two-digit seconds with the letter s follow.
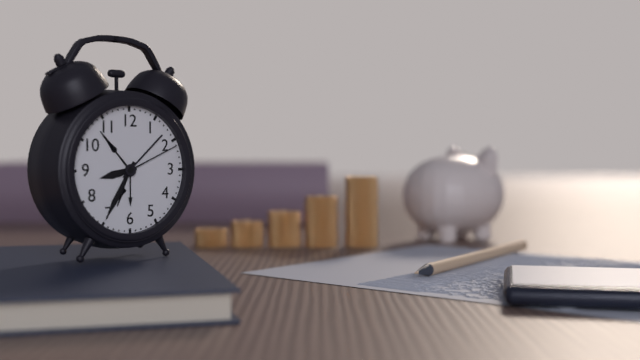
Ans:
8h35m11s
